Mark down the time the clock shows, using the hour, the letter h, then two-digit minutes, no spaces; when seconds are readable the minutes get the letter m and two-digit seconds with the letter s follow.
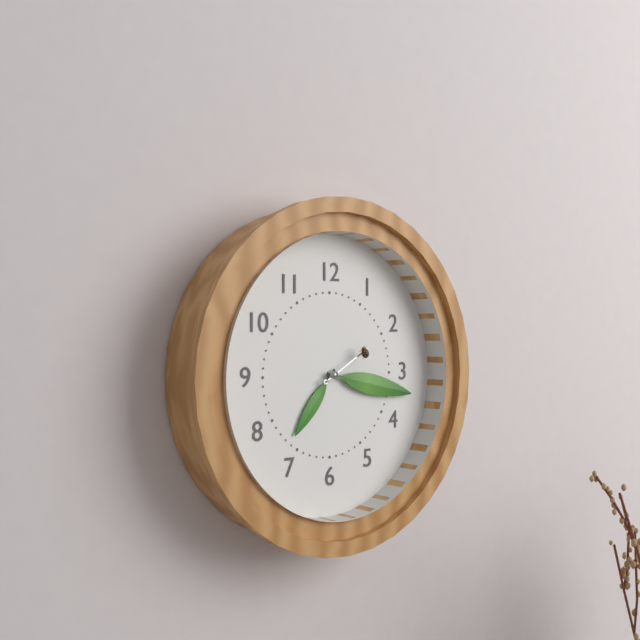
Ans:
7h17m10s
